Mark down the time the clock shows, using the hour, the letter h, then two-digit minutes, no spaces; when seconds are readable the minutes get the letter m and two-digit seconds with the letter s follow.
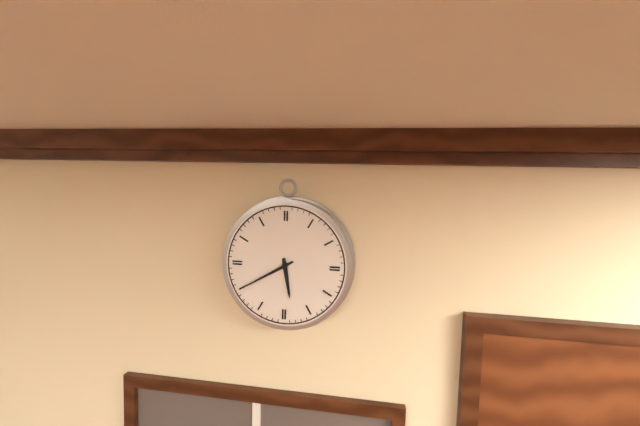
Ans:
5h40
